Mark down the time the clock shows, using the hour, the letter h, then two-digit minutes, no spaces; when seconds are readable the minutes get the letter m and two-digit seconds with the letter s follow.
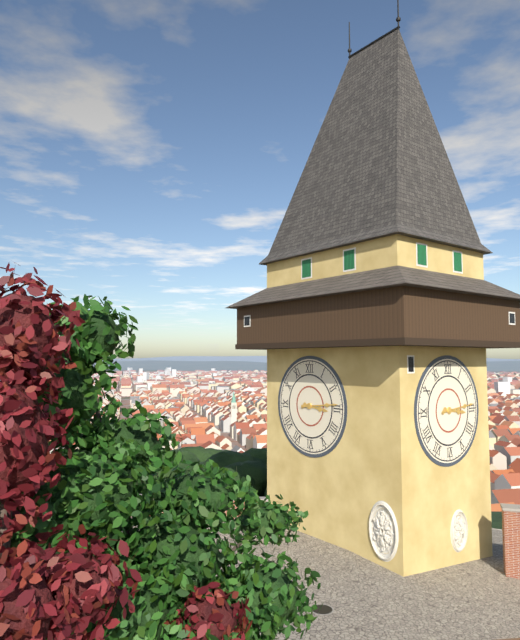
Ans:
3h14
